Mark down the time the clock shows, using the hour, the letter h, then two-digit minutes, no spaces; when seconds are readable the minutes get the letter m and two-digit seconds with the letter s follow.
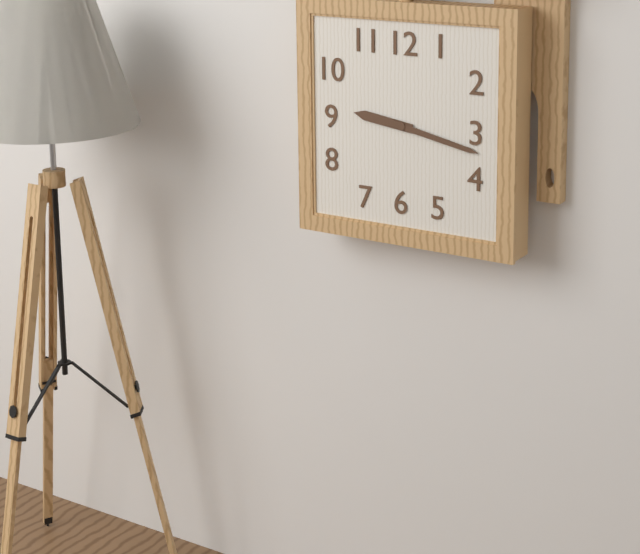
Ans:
9h17
